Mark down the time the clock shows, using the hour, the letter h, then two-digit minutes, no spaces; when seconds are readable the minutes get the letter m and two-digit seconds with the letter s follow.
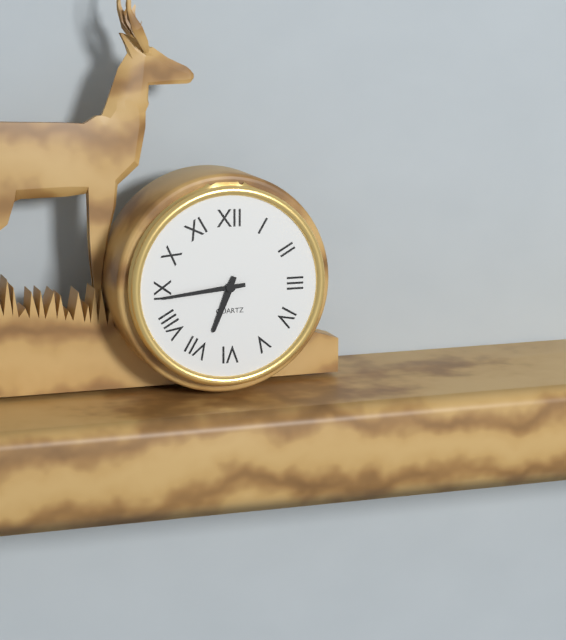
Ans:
6h44
